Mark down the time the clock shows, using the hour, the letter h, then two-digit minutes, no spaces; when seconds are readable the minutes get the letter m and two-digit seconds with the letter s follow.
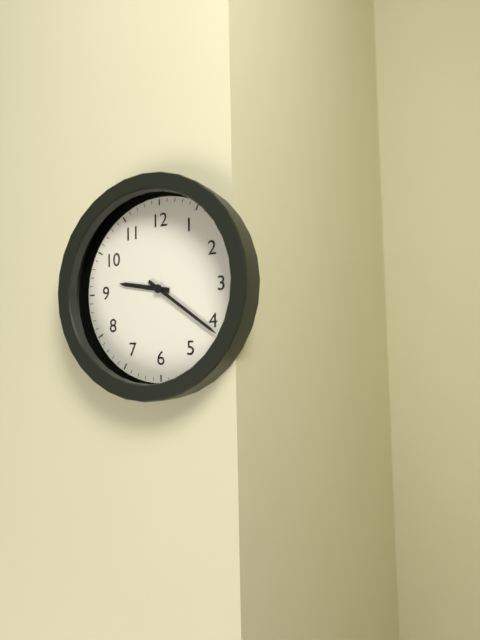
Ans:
9h21
